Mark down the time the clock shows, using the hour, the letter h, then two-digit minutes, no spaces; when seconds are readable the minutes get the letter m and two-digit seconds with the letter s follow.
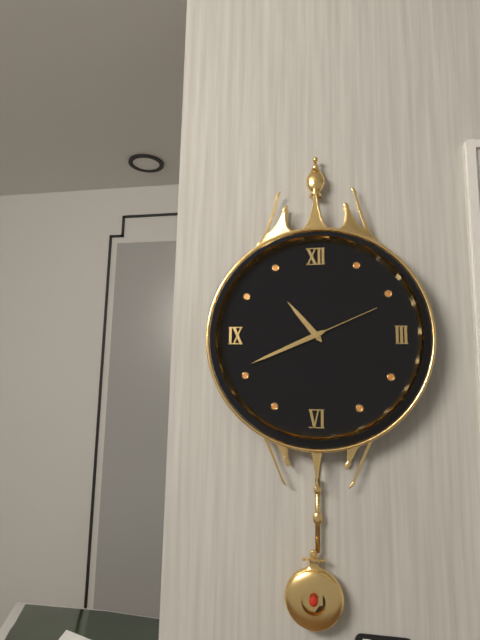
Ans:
10h41m11s
